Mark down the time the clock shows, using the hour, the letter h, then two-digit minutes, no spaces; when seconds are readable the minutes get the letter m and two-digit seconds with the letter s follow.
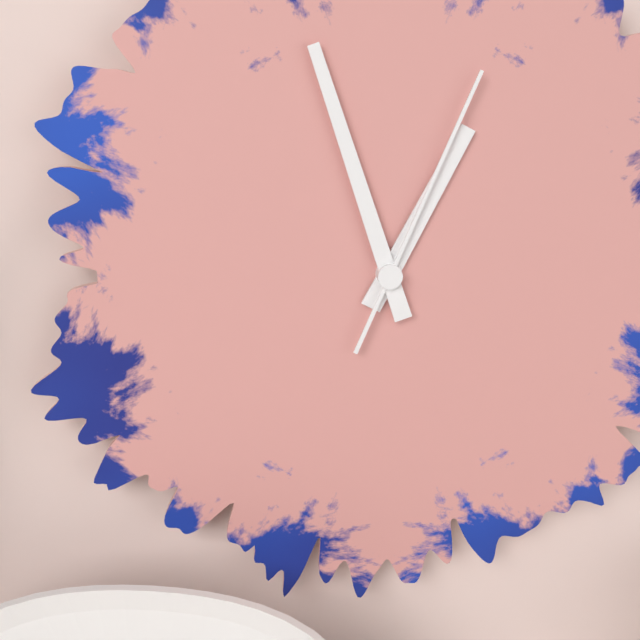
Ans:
12h57m04s
